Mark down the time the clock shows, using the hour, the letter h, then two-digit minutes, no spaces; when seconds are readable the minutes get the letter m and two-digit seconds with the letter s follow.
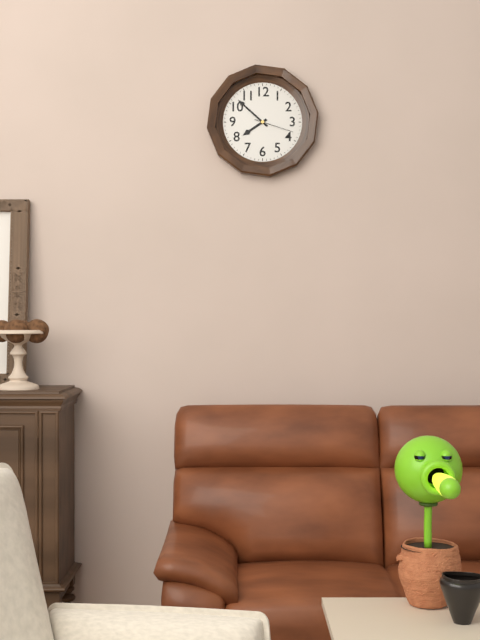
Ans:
7h52
